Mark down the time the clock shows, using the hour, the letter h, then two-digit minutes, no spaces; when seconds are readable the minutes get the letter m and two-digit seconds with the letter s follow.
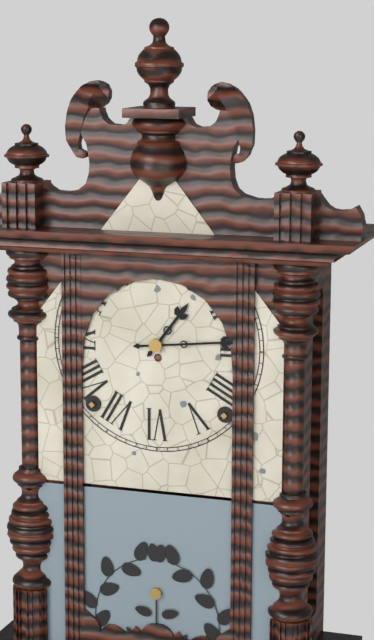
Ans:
1h14
